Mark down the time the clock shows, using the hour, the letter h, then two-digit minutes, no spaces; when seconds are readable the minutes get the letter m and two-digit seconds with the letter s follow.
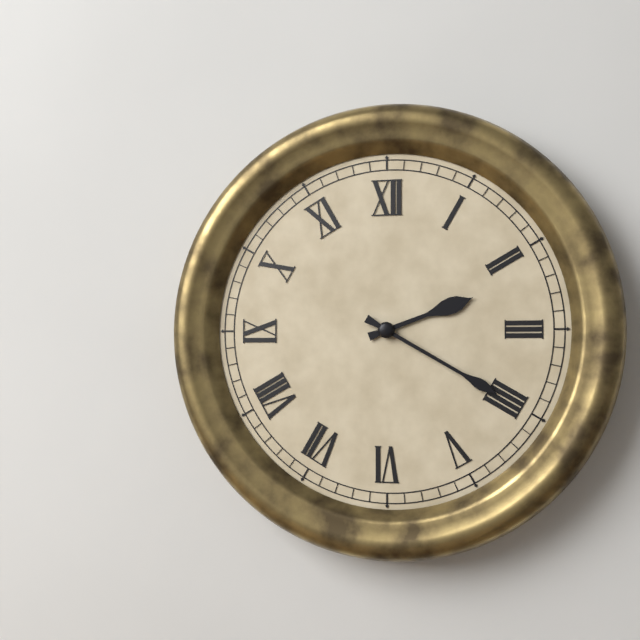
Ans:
2h20
